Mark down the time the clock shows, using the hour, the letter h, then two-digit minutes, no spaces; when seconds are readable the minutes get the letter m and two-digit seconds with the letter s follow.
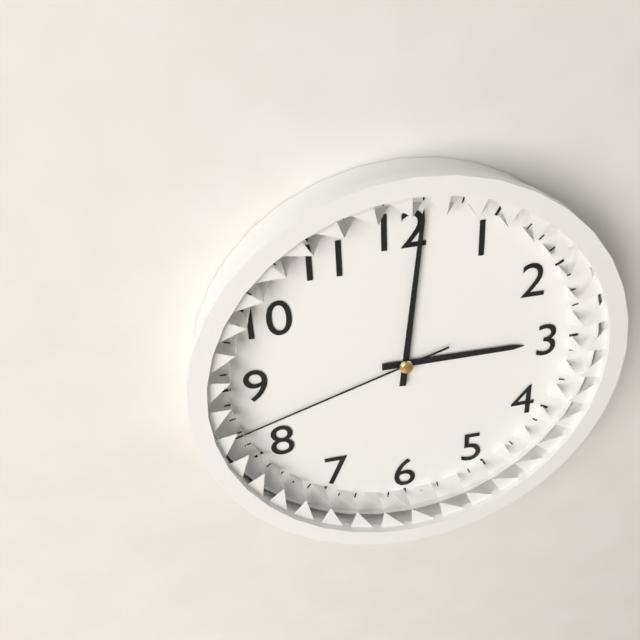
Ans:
3h01m42s
